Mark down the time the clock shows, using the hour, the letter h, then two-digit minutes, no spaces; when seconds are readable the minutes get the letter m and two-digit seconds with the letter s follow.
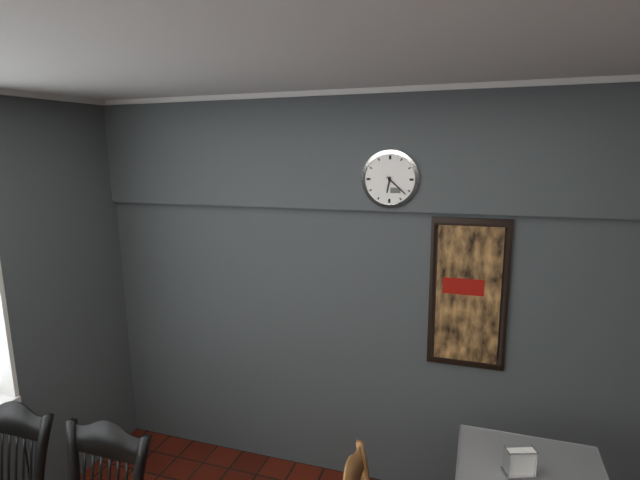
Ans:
6h22
